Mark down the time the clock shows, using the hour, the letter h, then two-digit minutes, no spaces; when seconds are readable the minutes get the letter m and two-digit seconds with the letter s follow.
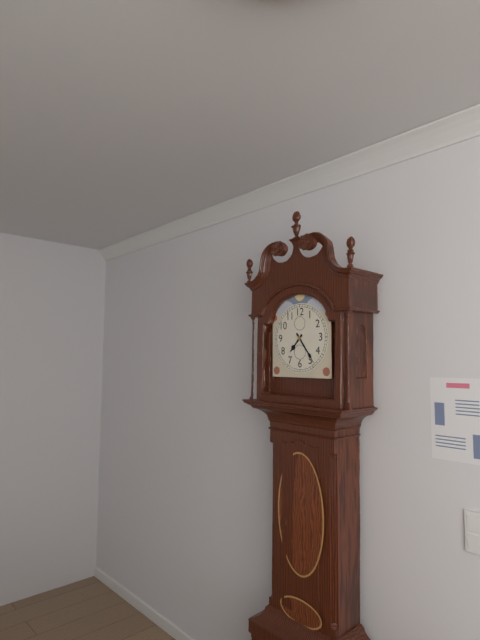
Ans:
7h24
